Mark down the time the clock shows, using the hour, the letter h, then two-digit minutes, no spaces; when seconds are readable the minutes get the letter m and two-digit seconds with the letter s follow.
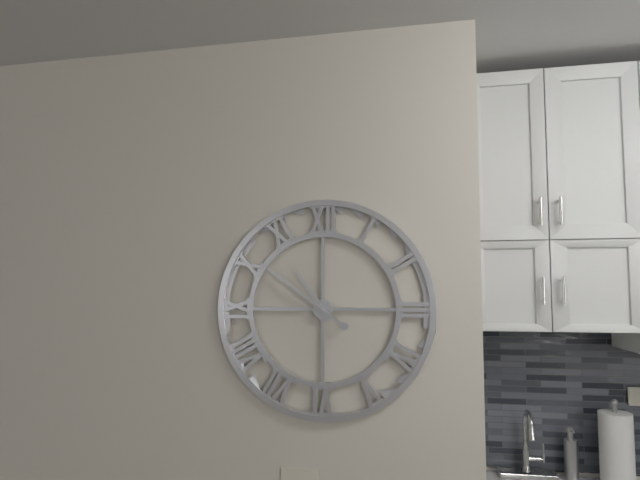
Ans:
10h51
